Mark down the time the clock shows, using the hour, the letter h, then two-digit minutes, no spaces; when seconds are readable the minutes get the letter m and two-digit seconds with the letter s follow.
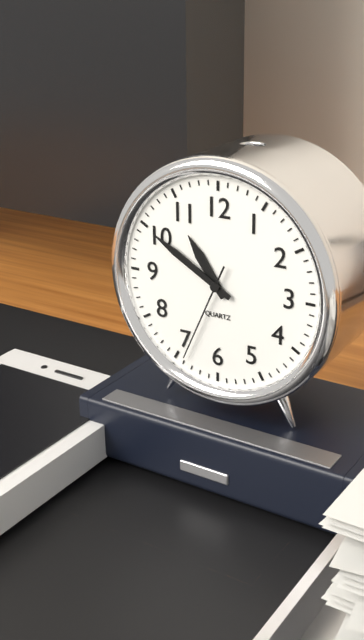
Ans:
10h50m34s
